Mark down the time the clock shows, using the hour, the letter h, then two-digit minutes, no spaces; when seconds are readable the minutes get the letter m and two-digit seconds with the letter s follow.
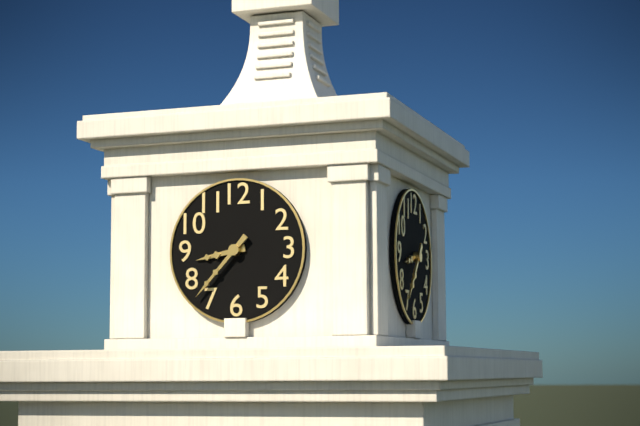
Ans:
8h37
